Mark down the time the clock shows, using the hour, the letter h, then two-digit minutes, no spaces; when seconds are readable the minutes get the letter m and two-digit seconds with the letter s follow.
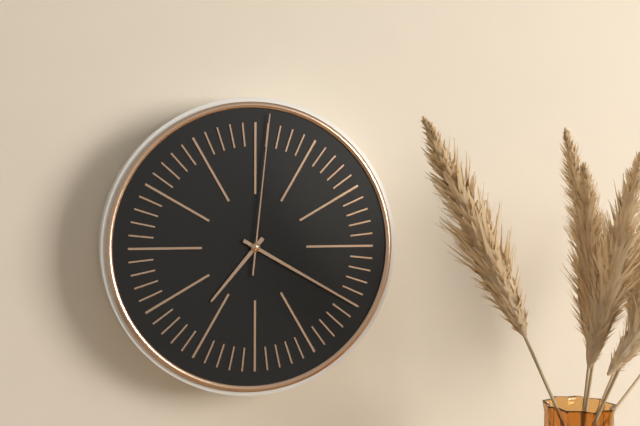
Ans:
7h20m01s
